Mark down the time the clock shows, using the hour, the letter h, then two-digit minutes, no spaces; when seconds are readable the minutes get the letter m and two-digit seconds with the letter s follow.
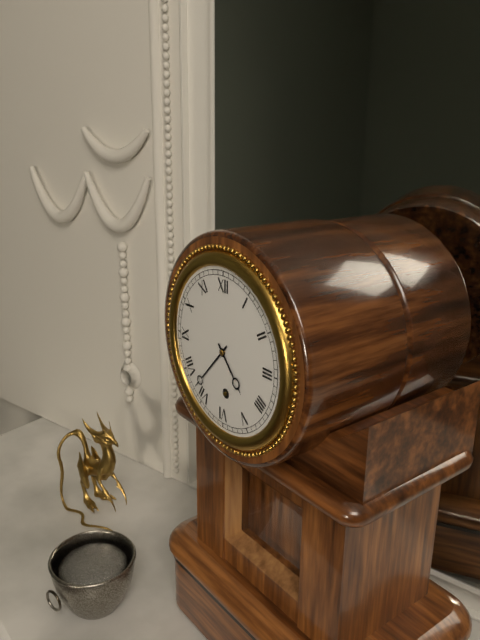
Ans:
4h37
